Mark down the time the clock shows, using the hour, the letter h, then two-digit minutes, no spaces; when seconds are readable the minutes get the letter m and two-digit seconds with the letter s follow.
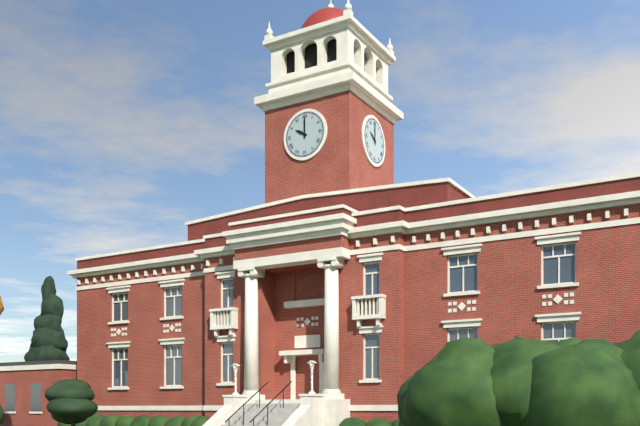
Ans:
10h00
